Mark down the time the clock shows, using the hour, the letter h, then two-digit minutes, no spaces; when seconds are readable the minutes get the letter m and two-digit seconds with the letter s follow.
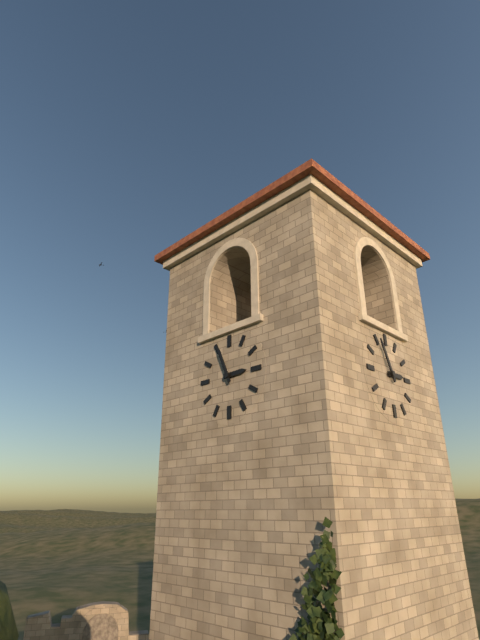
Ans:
2h56
